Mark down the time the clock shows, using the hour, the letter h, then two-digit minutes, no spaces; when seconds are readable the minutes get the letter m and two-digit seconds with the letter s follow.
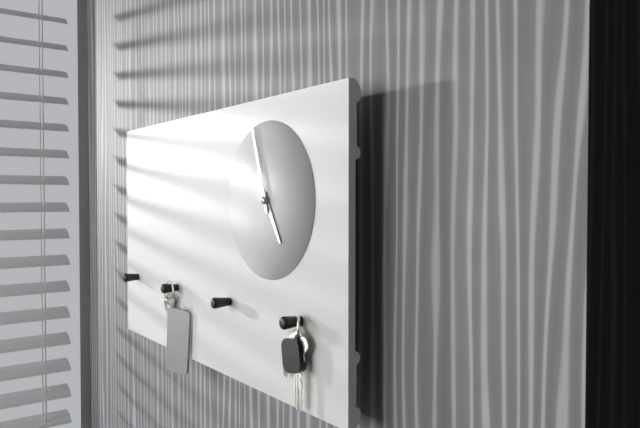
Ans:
4h57
